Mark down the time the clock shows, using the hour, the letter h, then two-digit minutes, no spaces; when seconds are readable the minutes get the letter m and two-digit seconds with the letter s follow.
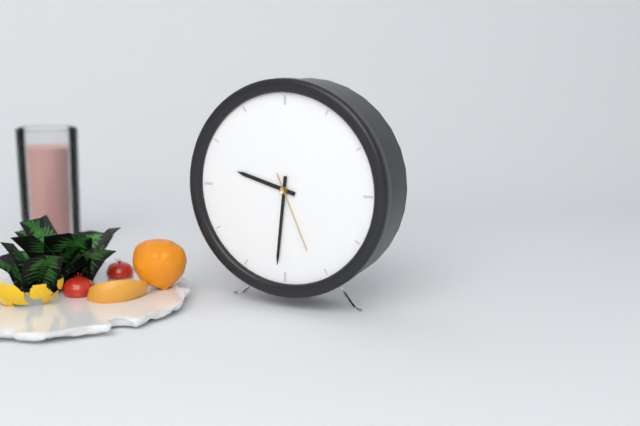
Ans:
9h31m26s
